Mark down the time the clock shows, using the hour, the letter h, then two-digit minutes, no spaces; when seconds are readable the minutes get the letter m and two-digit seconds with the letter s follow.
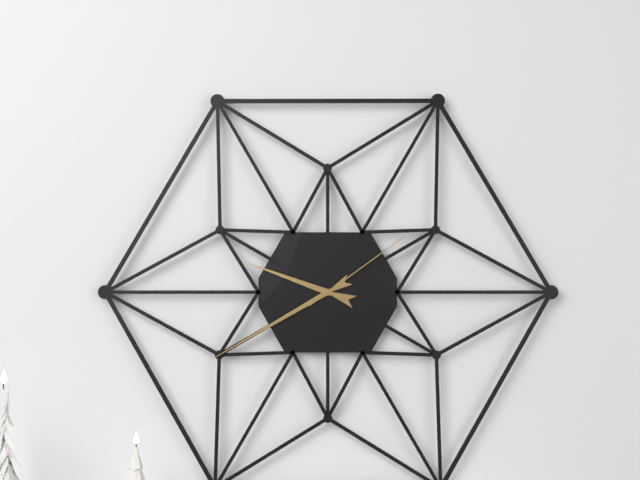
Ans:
9h40m09s
